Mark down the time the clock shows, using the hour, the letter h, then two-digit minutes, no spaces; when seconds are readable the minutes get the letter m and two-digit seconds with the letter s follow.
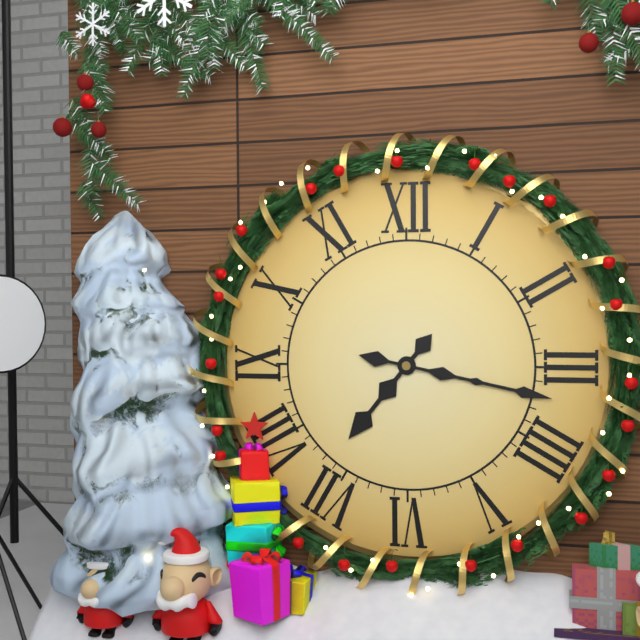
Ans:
7h17
